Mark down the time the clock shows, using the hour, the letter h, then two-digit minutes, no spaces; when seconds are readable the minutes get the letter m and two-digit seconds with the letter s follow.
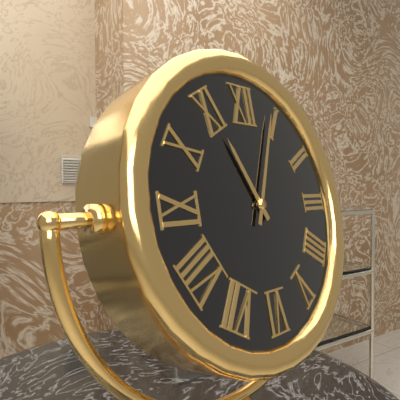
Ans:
11h04
